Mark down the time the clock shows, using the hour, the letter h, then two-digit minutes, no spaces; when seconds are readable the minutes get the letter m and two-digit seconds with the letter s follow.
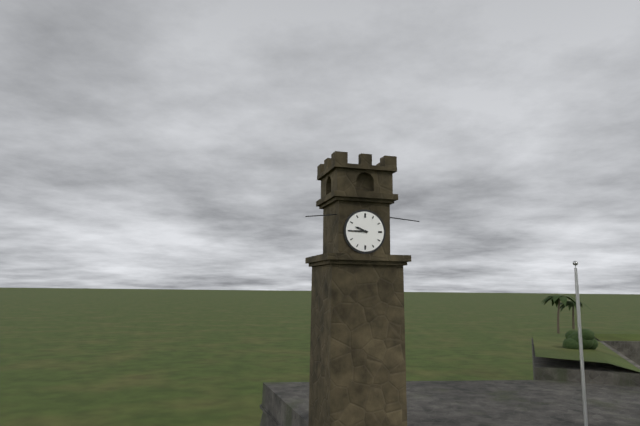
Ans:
9h45
